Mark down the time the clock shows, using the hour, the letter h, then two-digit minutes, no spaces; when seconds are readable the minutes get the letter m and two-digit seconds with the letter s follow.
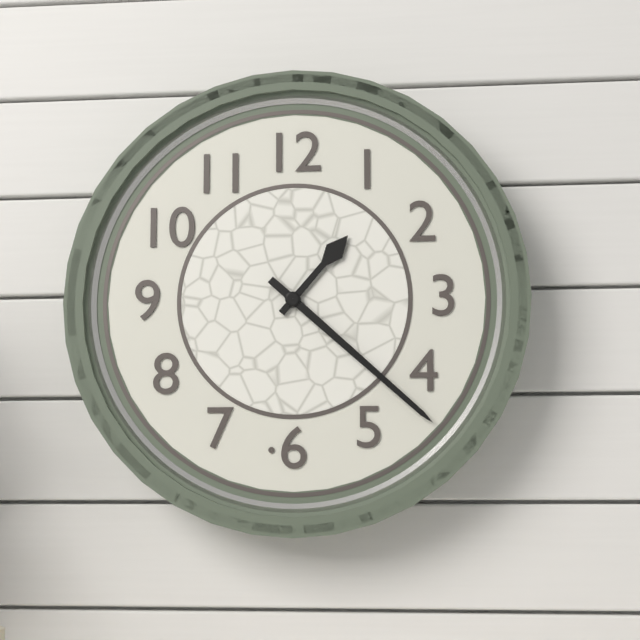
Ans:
1h22
